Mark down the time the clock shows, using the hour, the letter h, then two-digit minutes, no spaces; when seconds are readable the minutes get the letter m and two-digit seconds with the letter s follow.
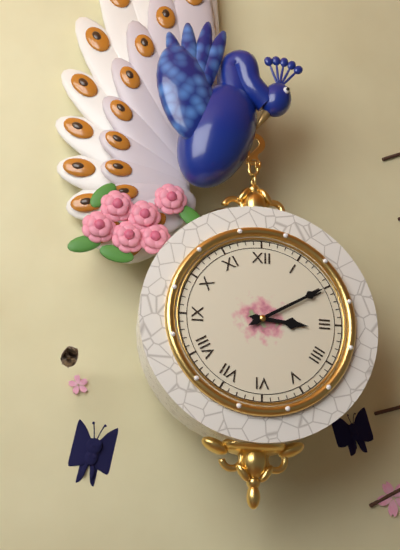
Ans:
3h10
